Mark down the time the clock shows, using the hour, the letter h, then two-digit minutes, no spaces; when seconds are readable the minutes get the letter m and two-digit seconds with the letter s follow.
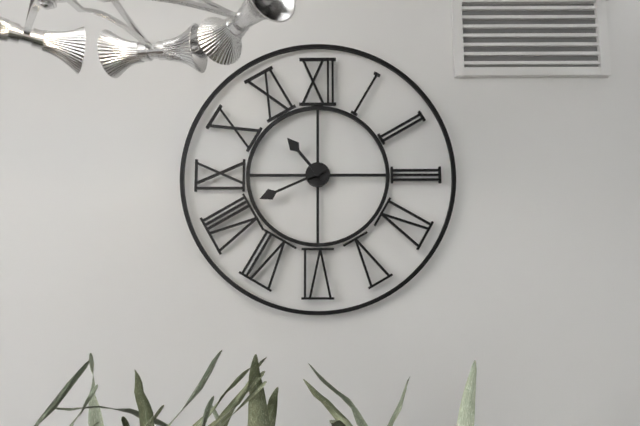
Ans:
10h41
